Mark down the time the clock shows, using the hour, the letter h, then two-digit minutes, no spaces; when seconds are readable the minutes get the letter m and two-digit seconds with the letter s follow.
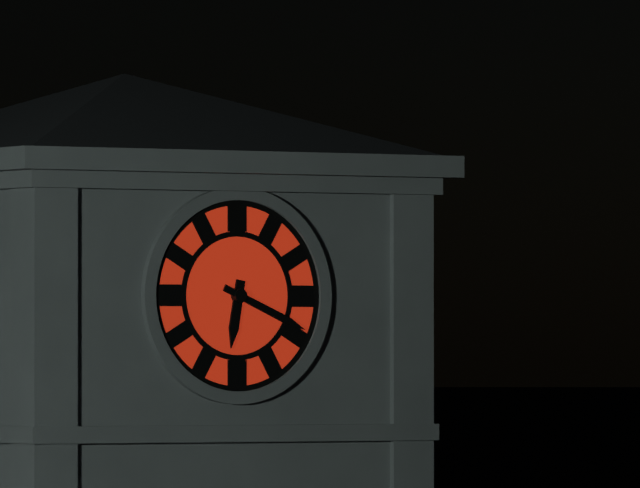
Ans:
6h19
